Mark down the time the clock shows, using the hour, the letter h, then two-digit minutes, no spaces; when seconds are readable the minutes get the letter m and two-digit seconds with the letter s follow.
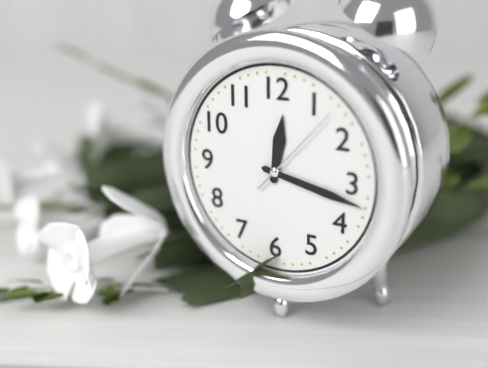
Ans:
12h17m07s
